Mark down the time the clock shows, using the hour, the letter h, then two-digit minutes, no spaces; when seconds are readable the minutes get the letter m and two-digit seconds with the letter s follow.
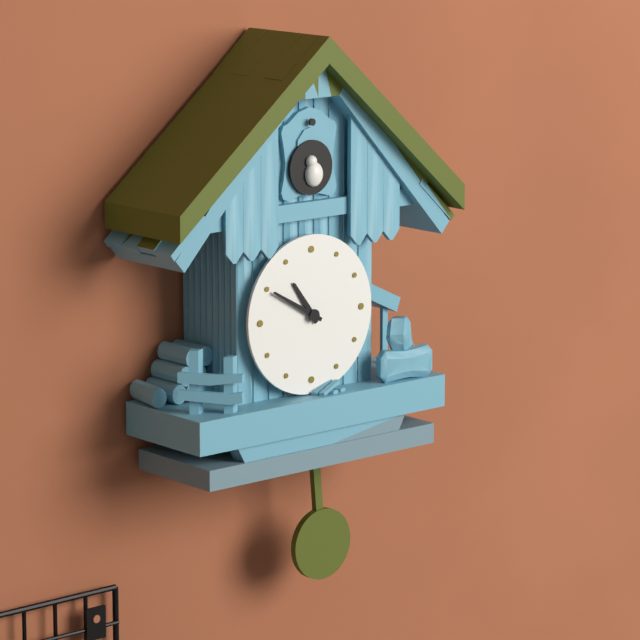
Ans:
10h50
